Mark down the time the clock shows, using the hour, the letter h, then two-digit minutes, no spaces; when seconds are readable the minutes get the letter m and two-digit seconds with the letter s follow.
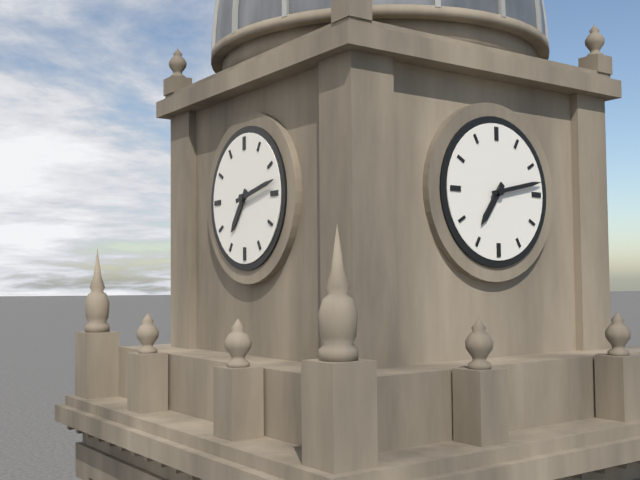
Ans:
7h13
